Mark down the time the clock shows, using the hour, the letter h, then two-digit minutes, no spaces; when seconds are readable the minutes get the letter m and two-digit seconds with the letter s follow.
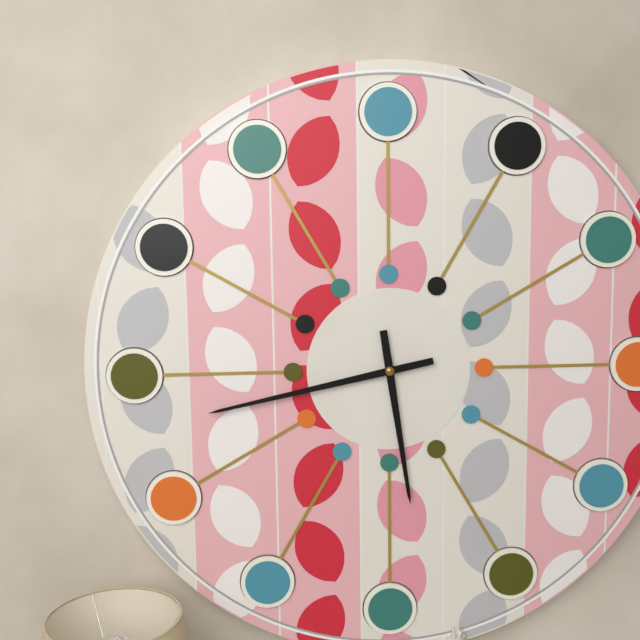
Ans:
5h43
